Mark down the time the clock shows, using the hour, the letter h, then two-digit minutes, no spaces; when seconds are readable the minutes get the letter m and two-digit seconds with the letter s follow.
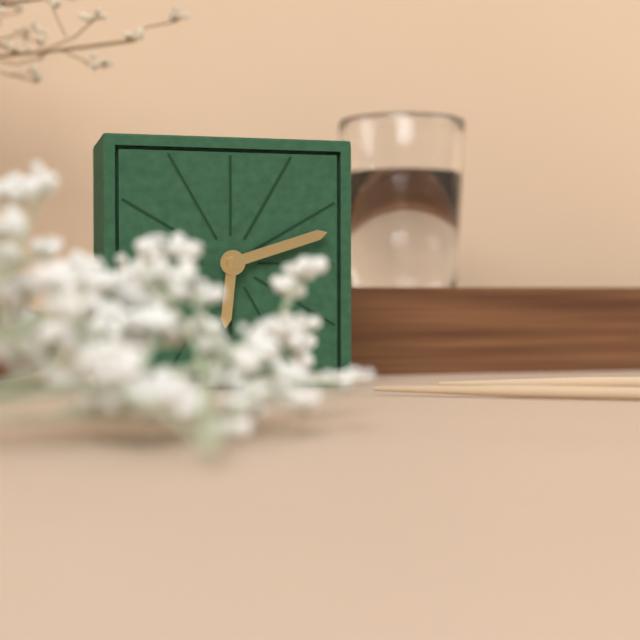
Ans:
6h12
